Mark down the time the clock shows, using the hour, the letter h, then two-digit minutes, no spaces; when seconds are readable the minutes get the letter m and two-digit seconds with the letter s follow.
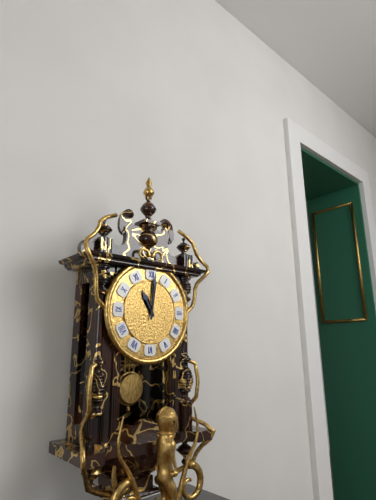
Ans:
11h01
